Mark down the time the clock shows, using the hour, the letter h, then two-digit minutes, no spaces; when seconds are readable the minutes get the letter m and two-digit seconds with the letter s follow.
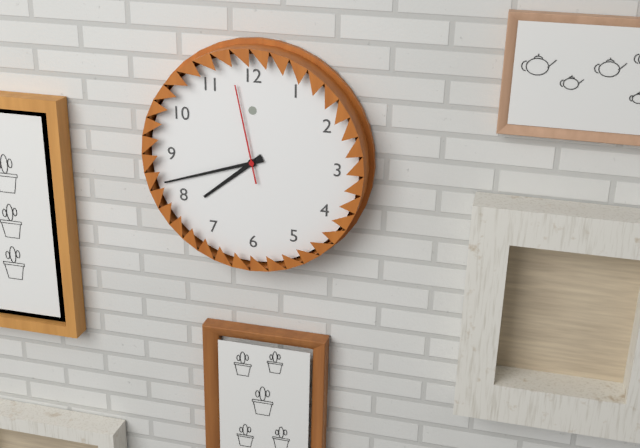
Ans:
7h42m58s
